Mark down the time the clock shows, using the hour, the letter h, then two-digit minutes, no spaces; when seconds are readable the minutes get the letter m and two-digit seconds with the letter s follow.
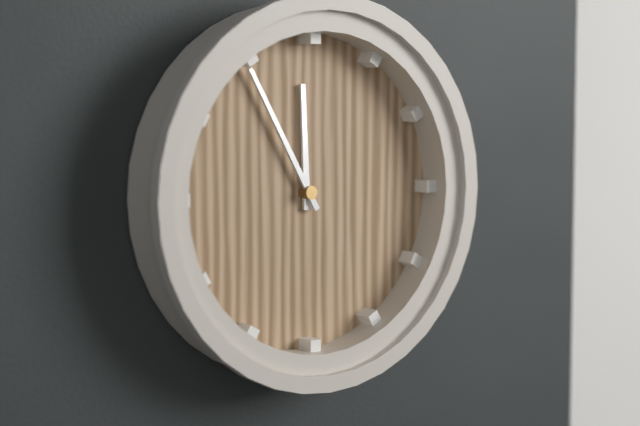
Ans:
11h55
